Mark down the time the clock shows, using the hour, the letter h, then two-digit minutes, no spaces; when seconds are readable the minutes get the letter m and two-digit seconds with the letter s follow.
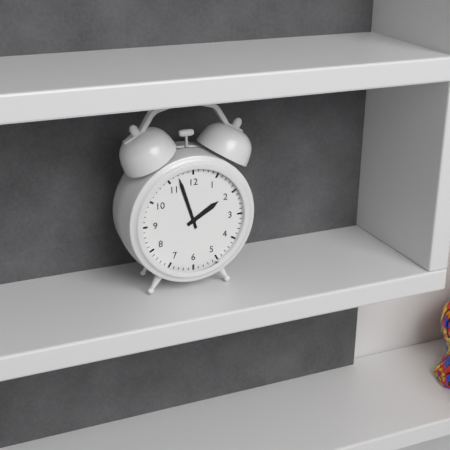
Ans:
1h57
